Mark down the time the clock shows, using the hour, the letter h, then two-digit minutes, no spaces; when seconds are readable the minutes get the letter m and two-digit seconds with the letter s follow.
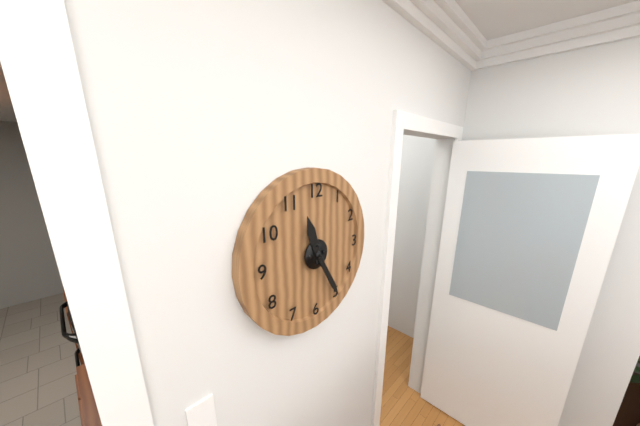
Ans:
11h25
